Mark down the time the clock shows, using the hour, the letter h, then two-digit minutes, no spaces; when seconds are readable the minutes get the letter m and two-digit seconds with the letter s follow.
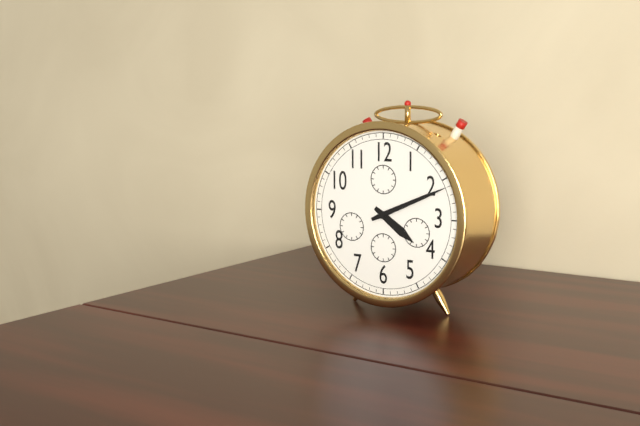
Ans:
4h11
